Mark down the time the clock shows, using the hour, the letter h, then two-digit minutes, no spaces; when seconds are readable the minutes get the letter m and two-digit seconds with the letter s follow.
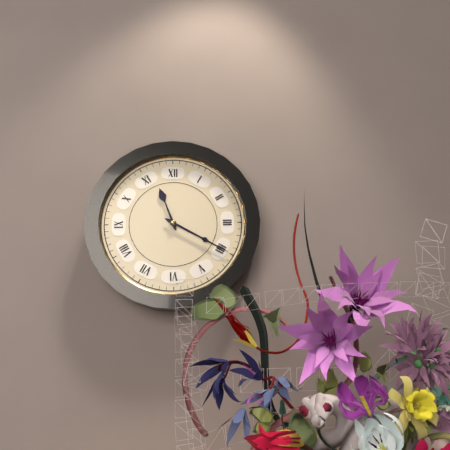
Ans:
11h20
